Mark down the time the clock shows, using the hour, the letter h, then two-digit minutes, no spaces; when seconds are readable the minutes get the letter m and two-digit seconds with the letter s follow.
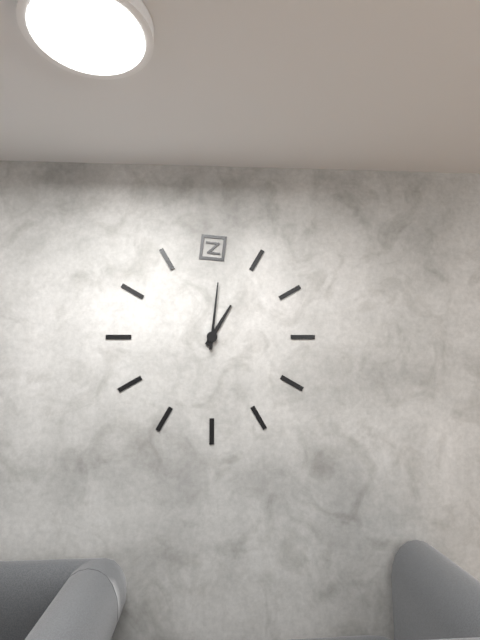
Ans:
1h01
